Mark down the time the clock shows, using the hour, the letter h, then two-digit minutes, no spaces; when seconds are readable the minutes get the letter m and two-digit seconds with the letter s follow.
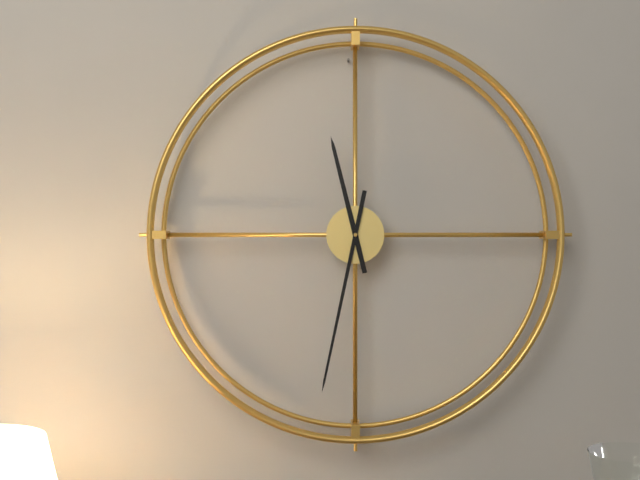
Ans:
11h32
